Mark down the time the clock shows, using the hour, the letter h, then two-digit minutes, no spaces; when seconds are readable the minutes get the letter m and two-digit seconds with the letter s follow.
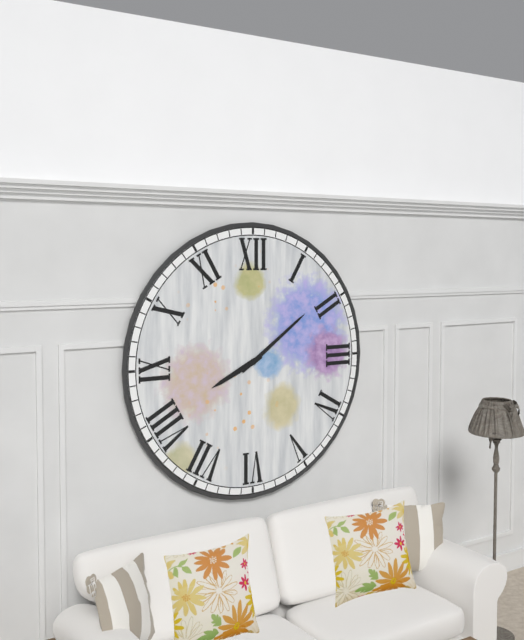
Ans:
8h09
